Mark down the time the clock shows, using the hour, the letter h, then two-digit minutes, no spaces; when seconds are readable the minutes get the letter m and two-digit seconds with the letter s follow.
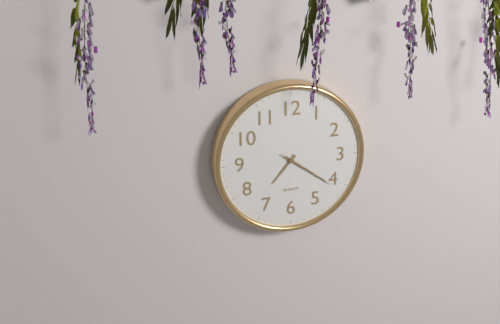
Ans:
7h21m21s
